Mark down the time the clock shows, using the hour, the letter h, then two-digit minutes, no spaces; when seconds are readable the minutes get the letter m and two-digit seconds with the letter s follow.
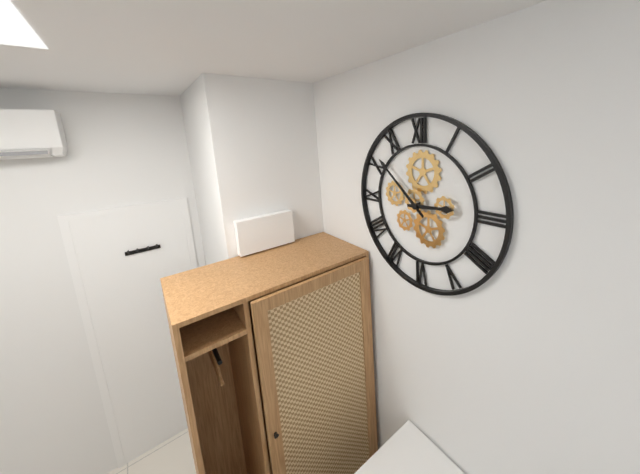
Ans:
2h52
